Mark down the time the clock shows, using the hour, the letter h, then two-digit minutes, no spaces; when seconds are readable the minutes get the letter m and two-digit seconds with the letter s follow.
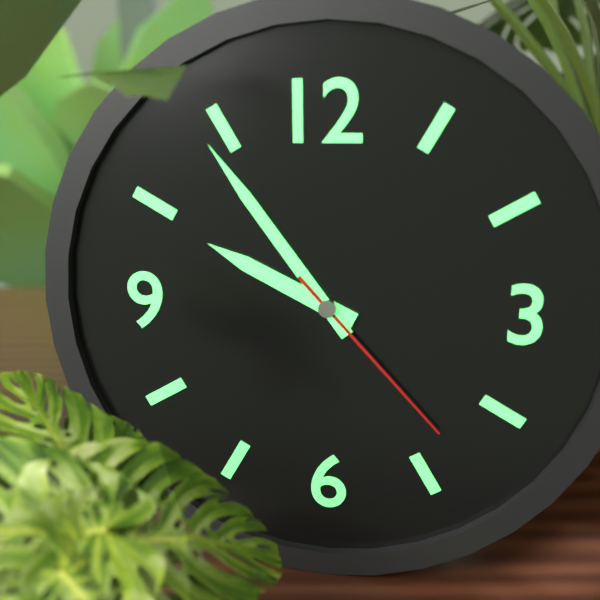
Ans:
9h54m23s
